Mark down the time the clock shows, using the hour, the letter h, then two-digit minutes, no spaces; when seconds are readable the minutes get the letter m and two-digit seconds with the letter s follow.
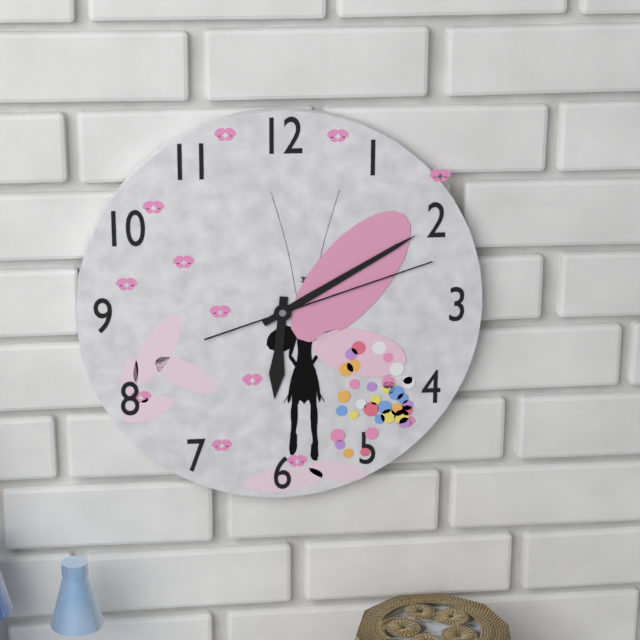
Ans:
6h10m12s
